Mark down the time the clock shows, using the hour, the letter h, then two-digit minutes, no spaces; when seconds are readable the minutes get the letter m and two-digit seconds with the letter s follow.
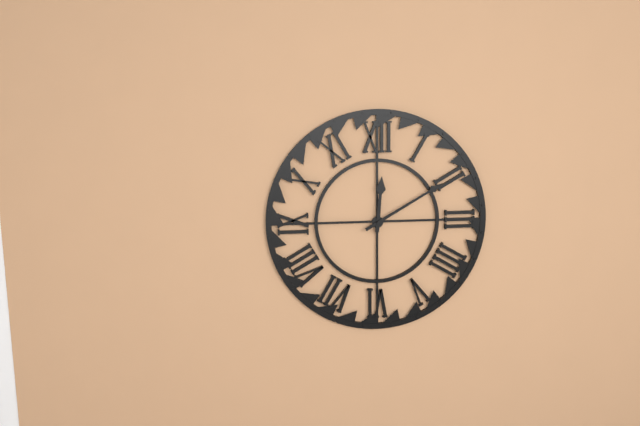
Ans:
12h10
